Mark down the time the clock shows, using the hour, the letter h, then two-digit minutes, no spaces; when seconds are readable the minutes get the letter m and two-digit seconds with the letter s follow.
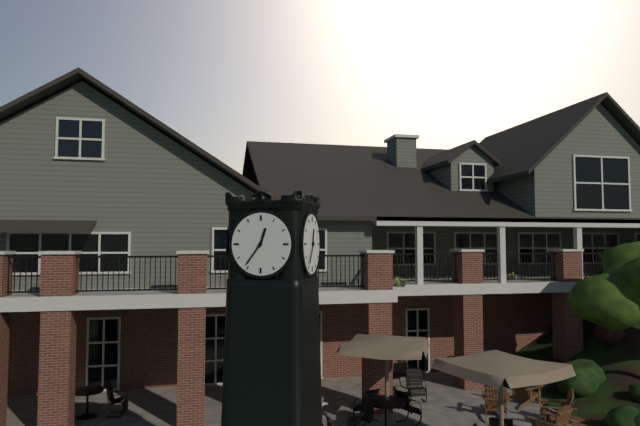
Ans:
12h36
